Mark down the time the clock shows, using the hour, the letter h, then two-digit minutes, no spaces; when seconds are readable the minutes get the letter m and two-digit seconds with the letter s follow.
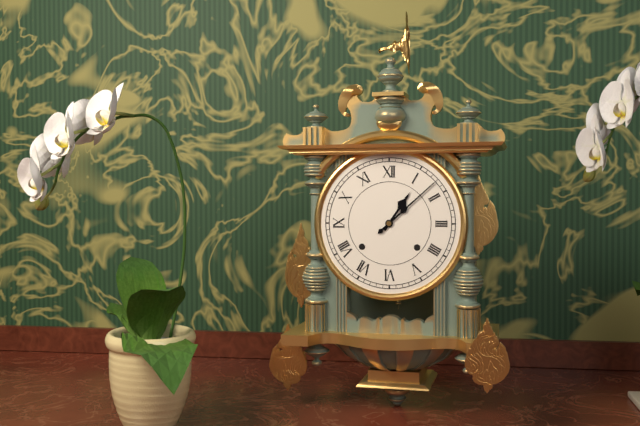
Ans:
1h08
